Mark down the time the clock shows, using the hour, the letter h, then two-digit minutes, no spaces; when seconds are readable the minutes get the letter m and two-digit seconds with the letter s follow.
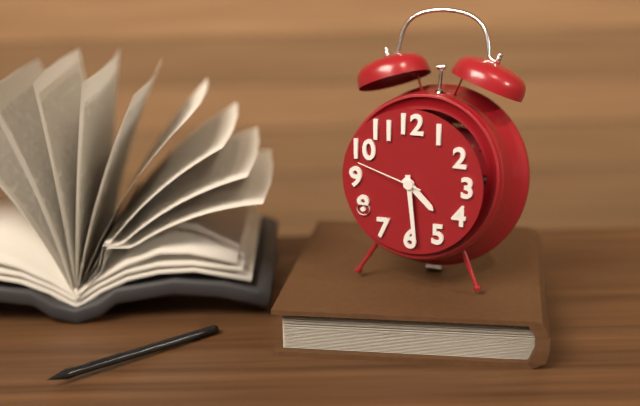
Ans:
4h29m48s
